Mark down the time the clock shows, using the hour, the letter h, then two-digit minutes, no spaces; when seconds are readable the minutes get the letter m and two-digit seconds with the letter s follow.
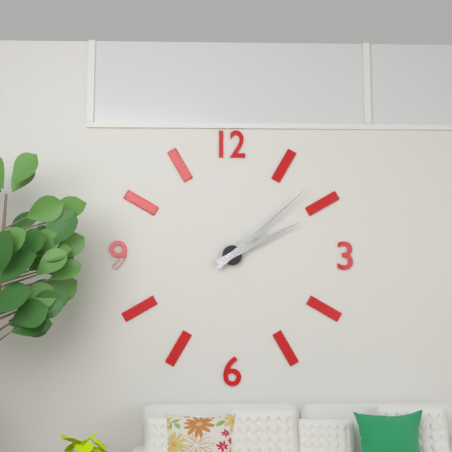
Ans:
2h08
